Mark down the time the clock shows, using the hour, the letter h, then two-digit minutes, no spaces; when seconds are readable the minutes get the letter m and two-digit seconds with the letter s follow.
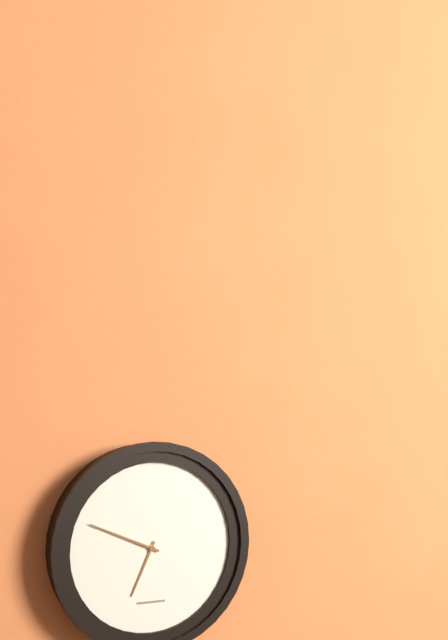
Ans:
6h49
